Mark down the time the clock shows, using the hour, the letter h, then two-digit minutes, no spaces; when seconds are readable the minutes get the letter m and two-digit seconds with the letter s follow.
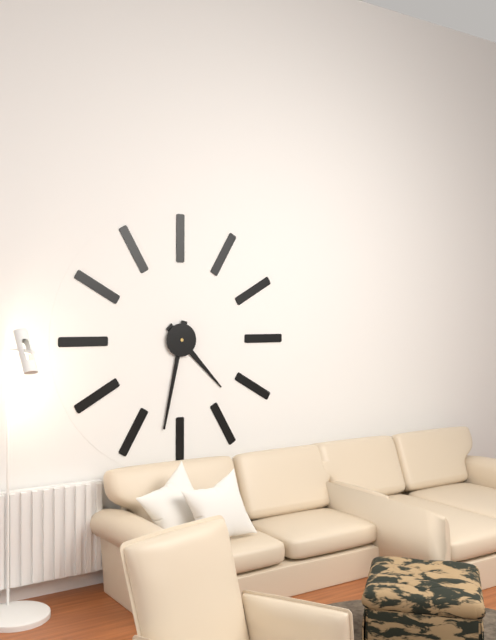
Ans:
4h32
